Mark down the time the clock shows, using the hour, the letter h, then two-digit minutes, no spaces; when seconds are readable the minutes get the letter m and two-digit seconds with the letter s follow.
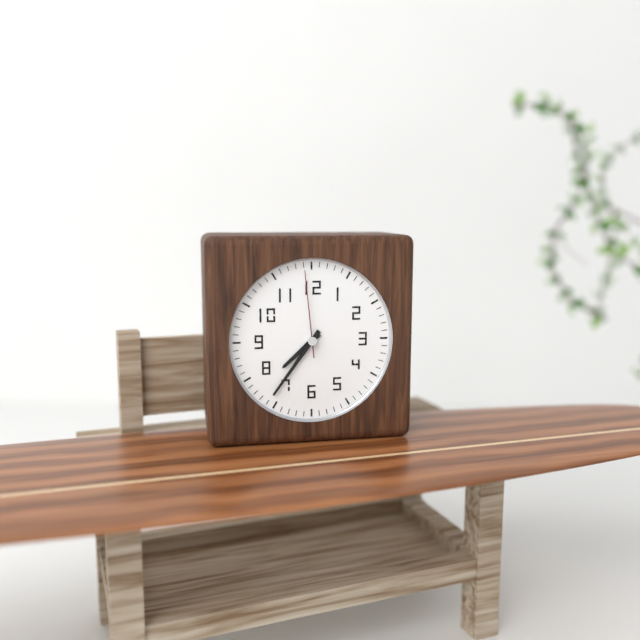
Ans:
7h36m59s
